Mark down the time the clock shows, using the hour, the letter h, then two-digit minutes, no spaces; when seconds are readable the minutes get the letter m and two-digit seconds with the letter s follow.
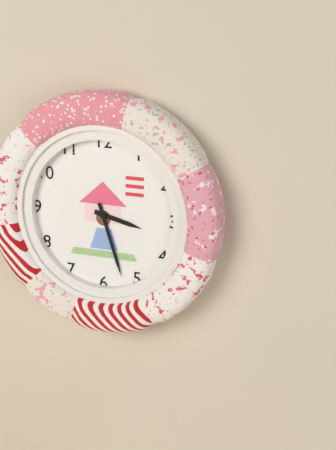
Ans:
3h27
